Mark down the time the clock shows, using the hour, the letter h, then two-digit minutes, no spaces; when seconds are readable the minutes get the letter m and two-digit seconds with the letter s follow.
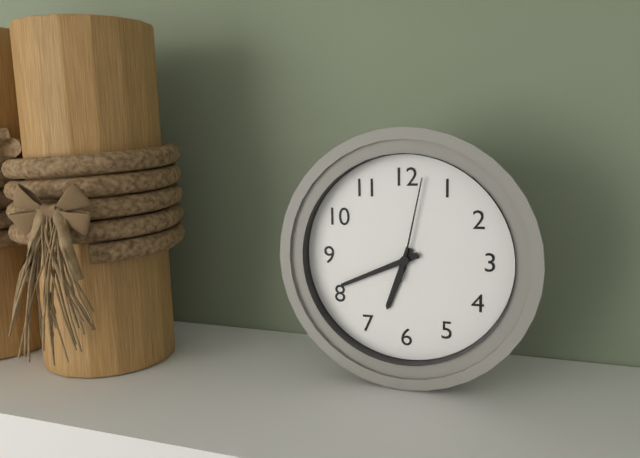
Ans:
6h41m02s
